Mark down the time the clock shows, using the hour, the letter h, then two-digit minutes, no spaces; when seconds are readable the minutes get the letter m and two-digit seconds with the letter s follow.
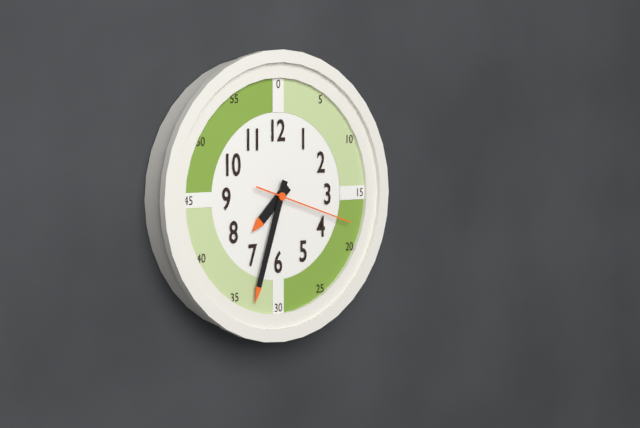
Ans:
7h33m18s
